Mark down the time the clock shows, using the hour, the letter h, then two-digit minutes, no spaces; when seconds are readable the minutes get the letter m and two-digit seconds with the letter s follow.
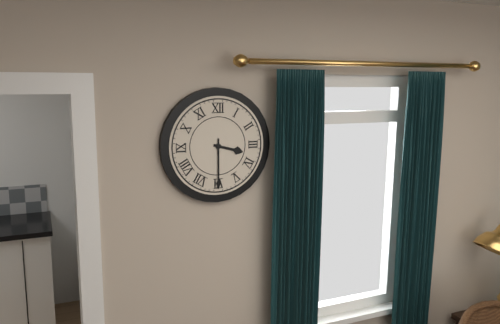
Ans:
3h30
